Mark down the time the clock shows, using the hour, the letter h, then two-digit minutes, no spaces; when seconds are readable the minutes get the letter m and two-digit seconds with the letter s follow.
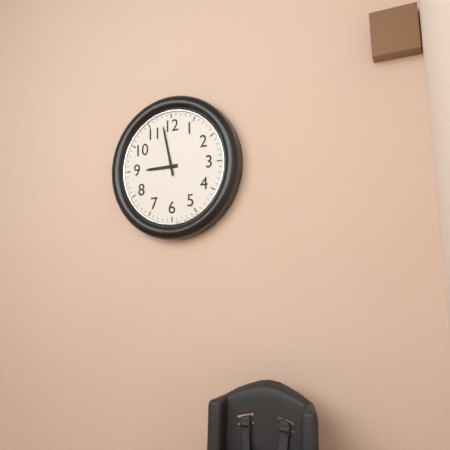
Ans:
8h58
